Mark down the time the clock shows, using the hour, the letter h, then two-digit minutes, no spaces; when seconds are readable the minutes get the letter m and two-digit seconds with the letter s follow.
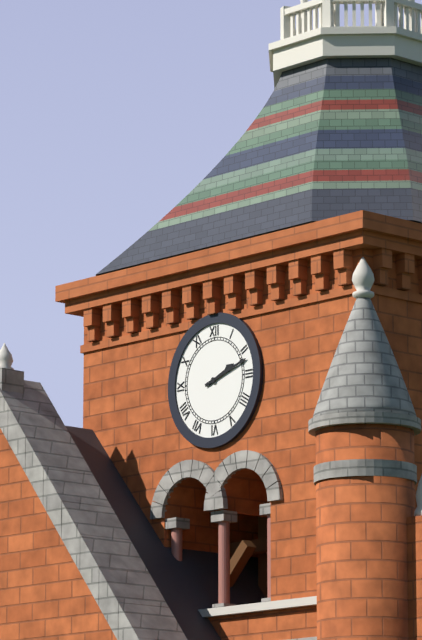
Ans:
2h12
